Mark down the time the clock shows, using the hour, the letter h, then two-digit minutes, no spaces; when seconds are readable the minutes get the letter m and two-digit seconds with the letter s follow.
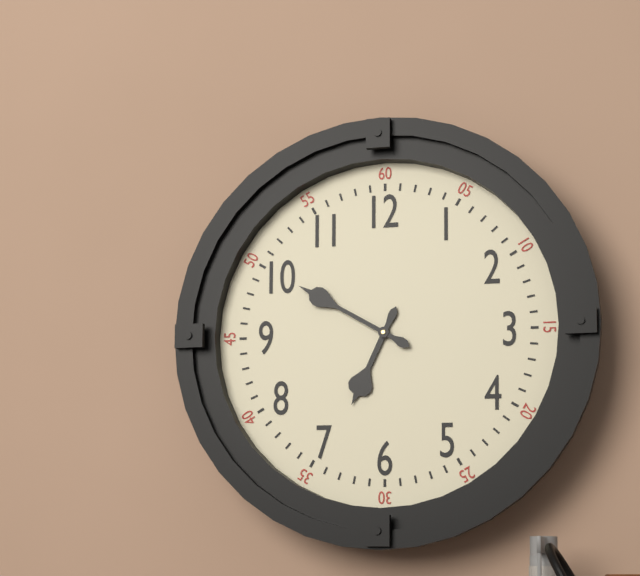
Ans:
6h50
